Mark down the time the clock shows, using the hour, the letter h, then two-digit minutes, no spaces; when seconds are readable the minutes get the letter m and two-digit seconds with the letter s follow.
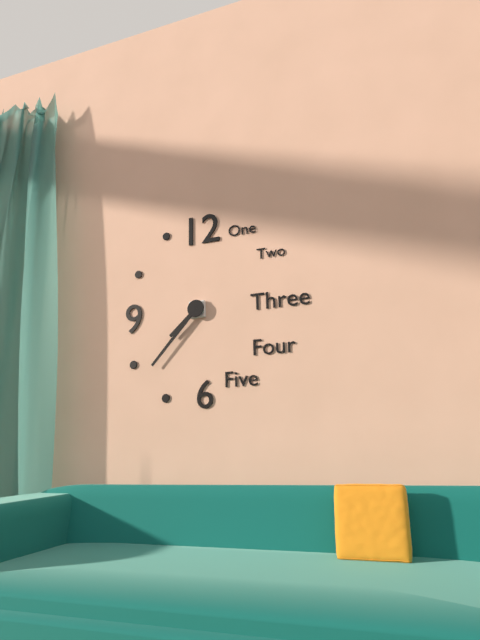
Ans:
7h37
